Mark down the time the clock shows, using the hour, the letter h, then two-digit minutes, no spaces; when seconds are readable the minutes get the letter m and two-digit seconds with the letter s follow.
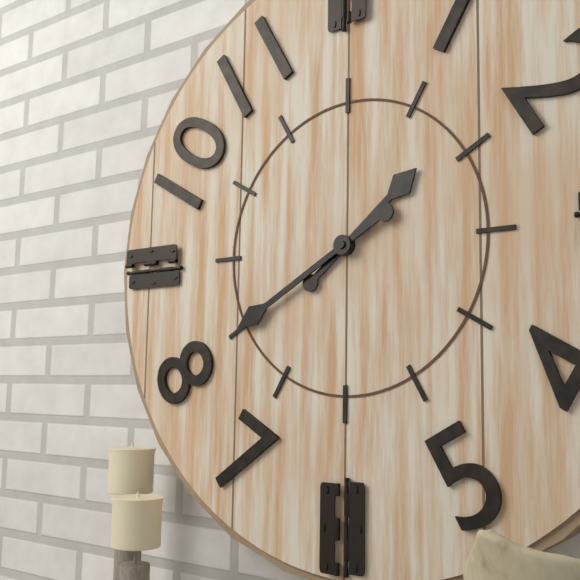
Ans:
1h40
